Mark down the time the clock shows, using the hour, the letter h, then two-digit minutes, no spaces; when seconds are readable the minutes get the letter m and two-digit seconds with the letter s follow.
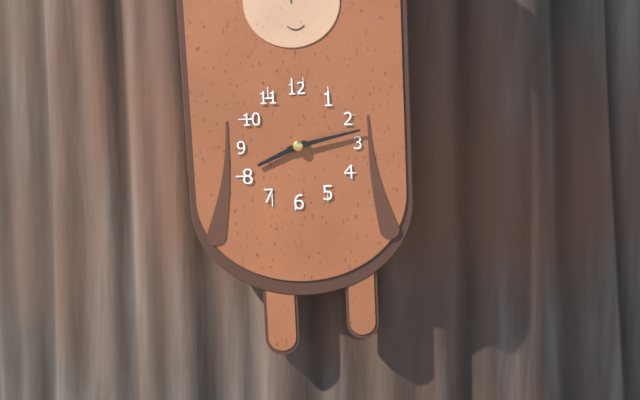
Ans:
8h13
